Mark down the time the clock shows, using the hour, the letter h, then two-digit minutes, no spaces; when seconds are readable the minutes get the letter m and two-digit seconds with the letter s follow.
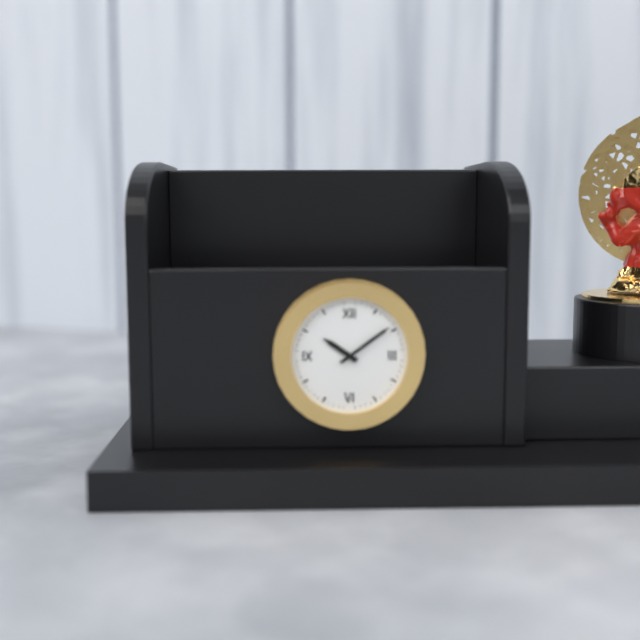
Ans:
10h09
